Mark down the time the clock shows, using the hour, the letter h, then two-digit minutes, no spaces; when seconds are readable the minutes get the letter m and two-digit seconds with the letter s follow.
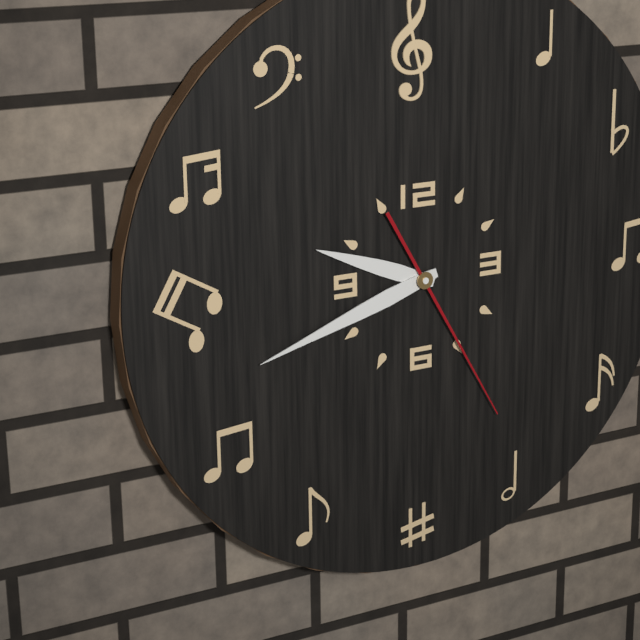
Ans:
9h42m25s
